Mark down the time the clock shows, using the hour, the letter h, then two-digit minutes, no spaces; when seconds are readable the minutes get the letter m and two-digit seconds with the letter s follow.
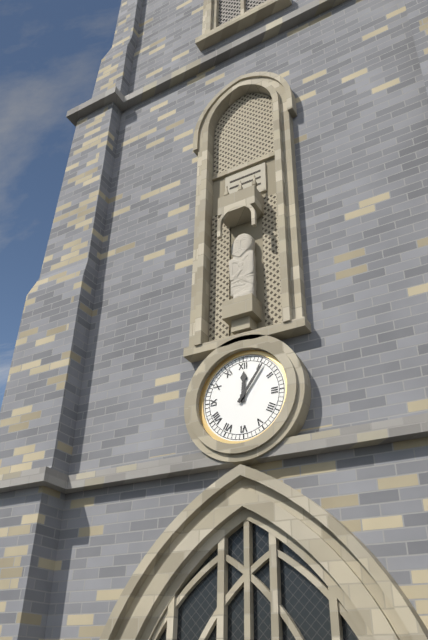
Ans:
12h06
